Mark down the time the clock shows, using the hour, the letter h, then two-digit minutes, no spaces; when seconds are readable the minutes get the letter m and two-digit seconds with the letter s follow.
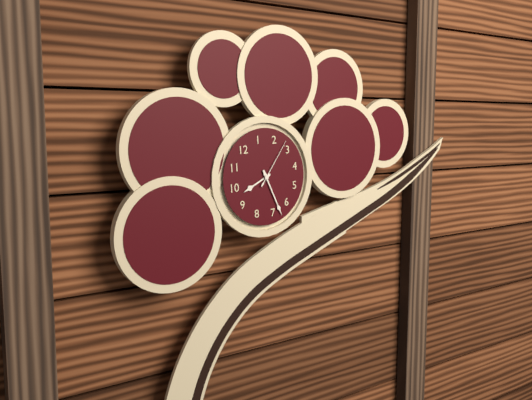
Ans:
9h33m13s
